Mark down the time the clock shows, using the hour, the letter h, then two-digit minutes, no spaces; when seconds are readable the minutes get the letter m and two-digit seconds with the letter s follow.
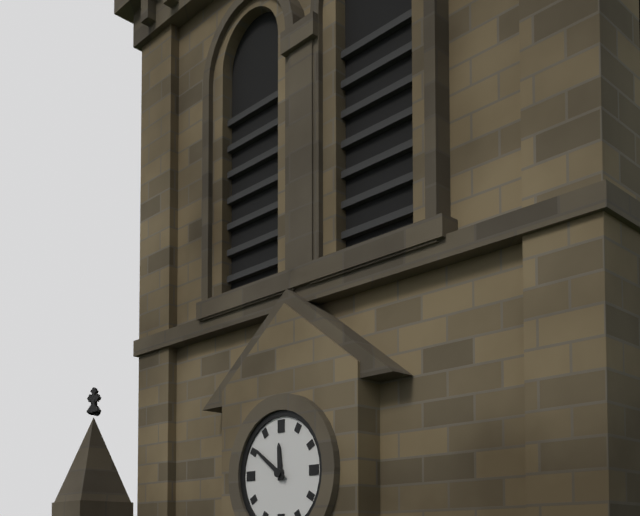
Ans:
11h51
